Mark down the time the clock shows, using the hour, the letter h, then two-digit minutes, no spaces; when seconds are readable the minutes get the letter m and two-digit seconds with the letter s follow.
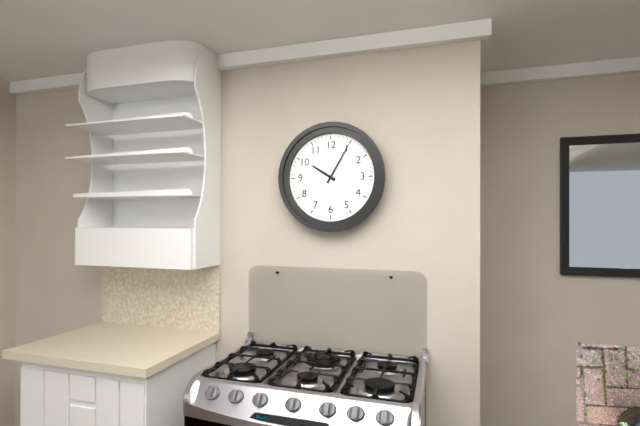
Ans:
10h05
